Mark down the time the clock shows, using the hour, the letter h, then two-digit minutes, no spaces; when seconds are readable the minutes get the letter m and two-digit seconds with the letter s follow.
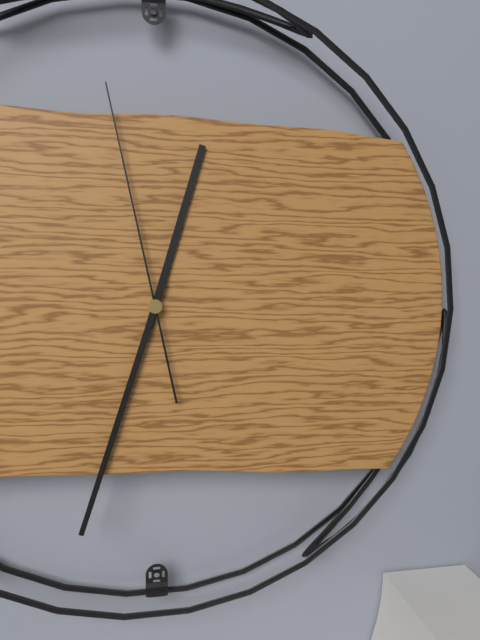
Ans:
12h33m58s
